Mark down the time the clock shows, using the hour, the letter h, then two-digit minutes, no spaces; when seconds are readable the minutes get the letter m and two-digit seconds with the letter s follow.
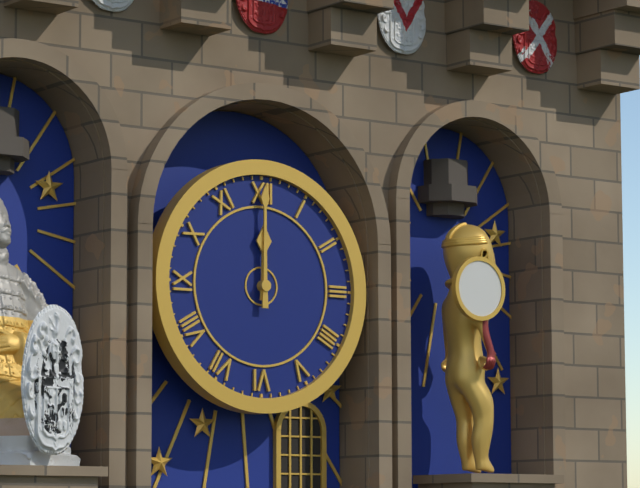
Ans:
12h00
